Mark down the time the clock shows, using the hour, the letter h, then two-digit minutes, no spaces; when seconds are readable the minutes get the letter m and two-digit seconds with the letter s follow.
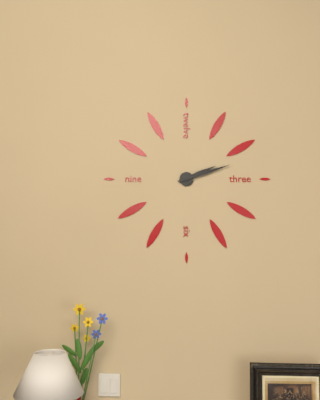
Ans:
2h12
